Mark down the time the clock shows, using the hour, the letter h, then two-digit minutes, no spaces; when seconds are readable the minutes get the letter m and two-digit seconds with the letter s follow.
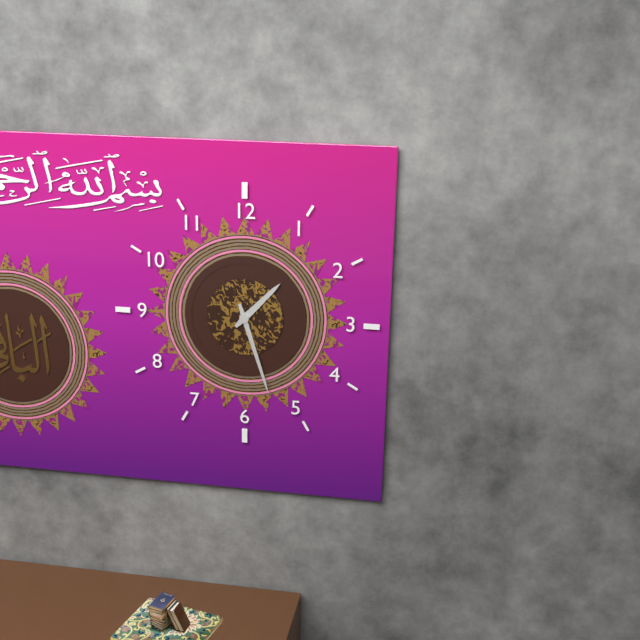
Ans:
1h27
